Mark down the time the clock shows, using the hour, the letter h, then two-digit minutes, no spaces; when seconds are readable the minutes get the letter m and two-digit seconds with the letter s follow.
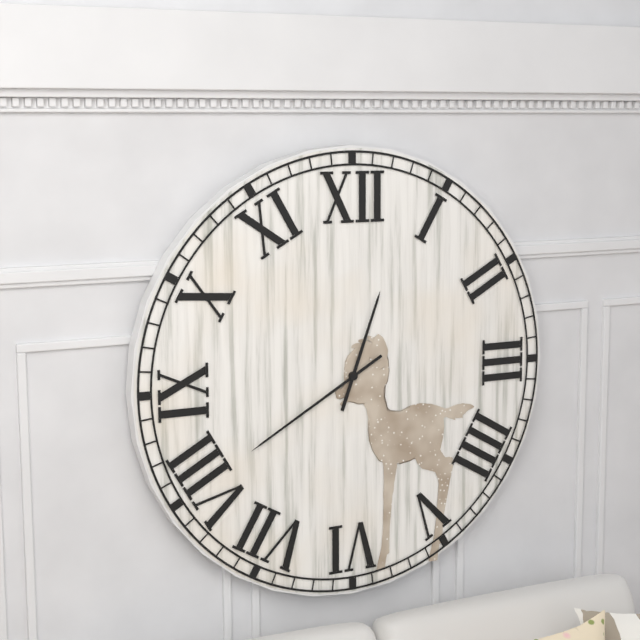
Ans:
12h40
